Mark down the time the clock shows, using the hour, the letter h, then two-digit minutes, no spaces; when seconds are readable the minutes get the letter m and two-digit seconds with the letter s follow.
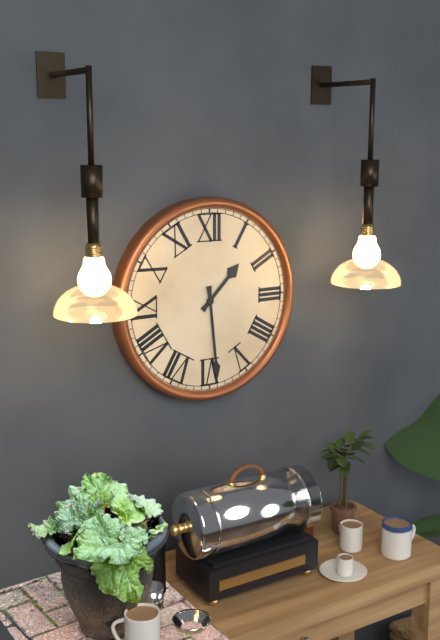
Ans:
1h29
